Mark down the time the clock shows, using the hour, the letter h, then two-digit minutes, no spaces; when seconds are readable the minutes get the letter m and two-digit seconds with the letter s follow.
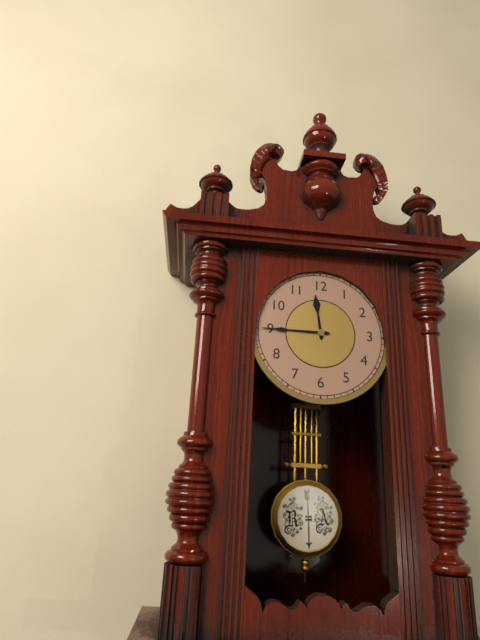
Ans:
11h45
